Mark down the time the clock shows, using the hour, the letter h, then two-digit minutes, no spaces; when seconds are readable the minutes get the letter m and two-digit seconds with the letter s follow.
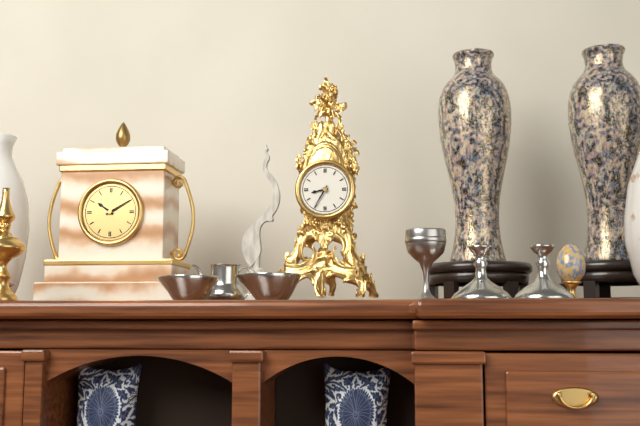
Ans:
8h35
